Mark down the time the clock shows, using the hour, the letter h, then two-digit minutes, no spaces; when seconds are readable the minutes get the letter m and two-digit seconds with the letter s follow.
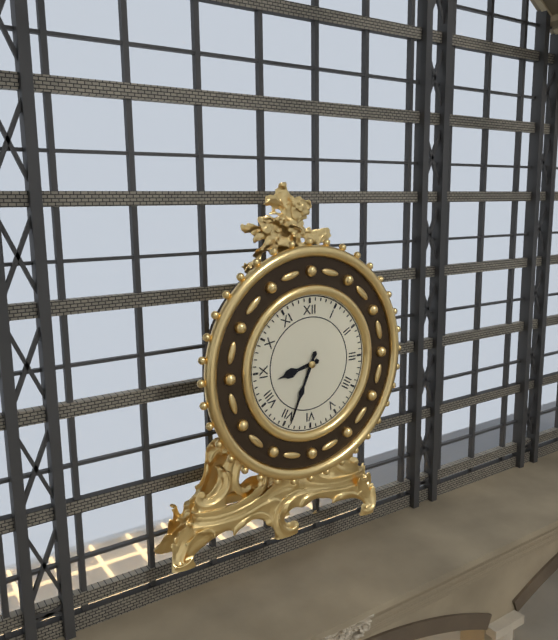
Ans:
8h34
